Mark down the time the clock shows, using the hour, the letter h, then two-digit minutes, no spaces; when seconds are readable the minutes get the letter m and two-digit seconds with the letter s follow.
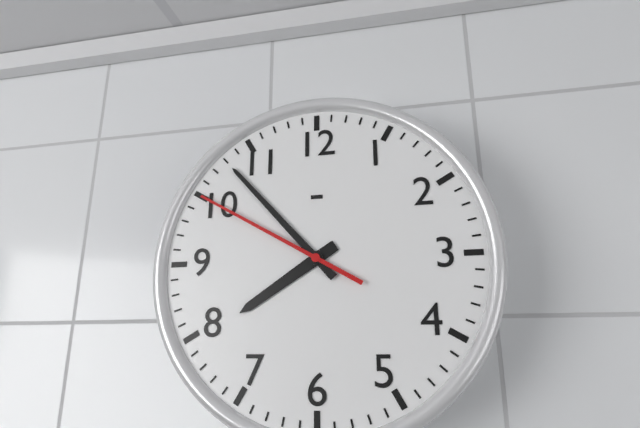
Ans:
7h53m50s
